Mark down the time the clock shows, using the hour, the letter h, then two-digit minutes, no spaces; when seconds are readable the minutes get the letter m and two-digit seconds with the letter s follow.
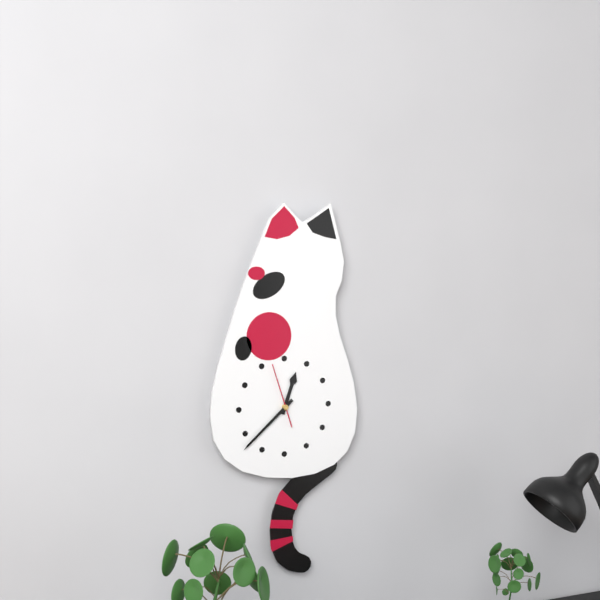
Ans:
12h38m57s
